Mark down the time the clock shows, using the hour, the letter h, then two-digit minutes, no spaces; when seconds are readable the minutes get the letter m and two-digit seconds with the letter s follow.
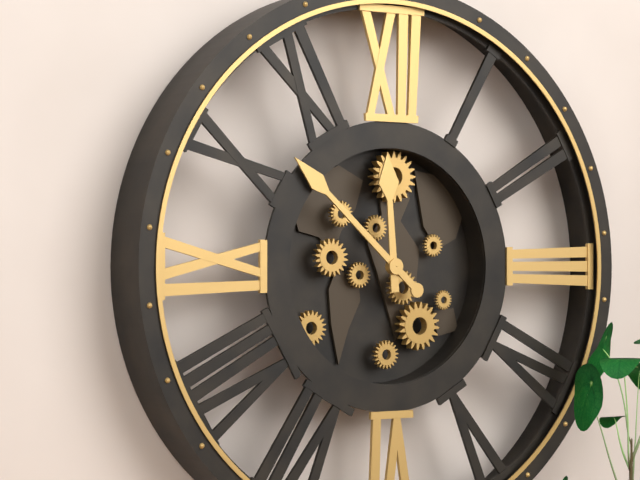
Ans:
11h52
